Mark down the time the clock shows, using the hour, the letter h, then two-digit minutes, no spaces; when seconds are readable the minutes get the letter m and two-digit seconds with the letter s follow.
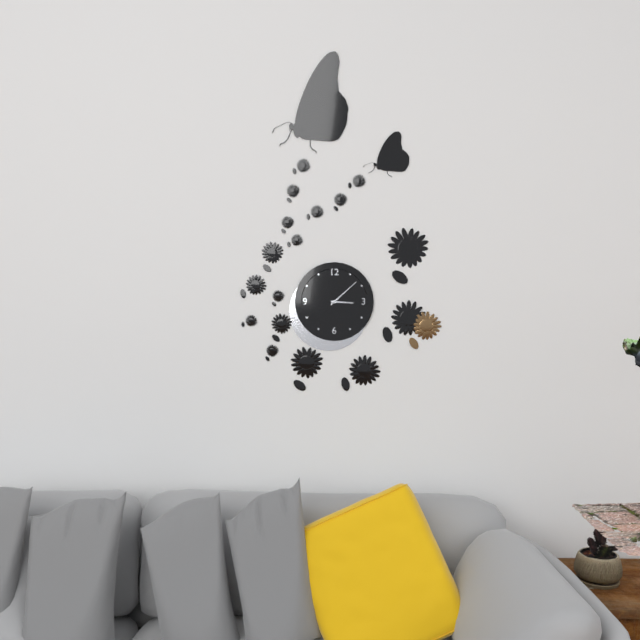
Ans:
3h08
